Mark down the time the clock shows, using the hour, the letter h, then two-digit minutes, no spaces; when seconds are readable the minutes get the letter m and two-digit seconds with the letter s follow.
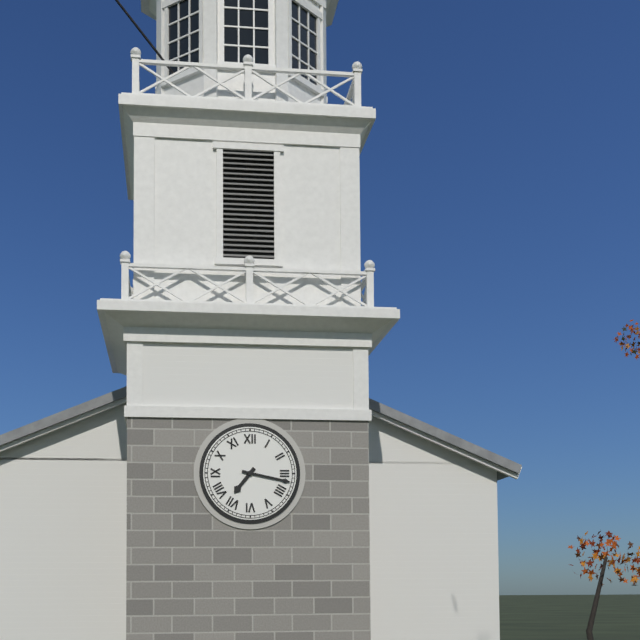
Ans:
7h17
